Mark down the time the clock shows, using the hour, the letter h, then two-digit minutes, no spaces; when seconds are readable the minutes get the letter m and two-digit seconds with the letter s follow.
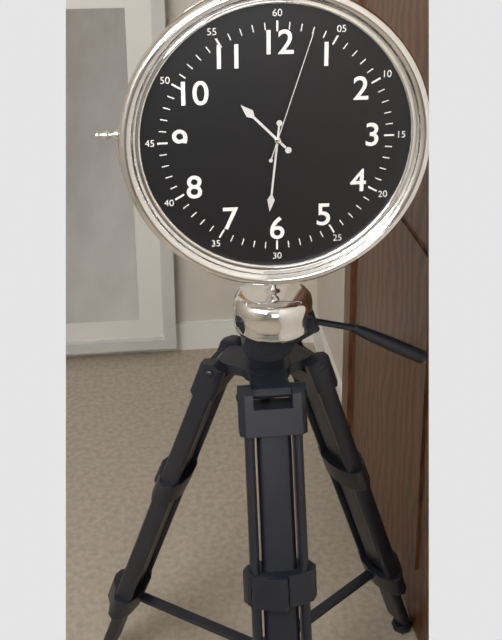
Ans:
10h31m03s
